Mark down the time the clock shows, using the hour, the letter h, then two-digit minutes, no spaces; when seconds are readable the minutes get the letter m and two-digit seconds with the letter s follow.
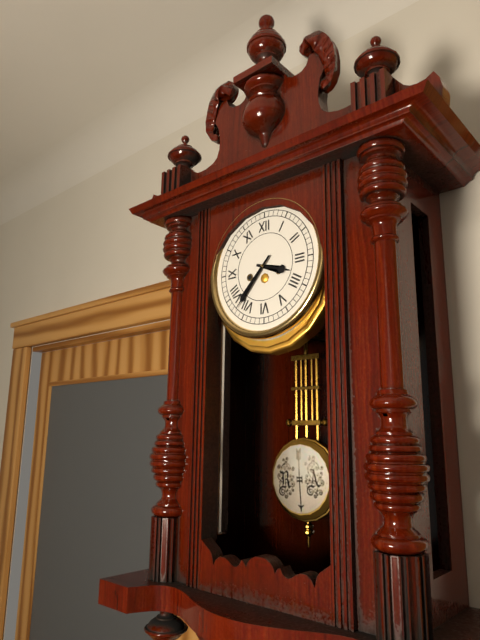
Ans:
3h37
